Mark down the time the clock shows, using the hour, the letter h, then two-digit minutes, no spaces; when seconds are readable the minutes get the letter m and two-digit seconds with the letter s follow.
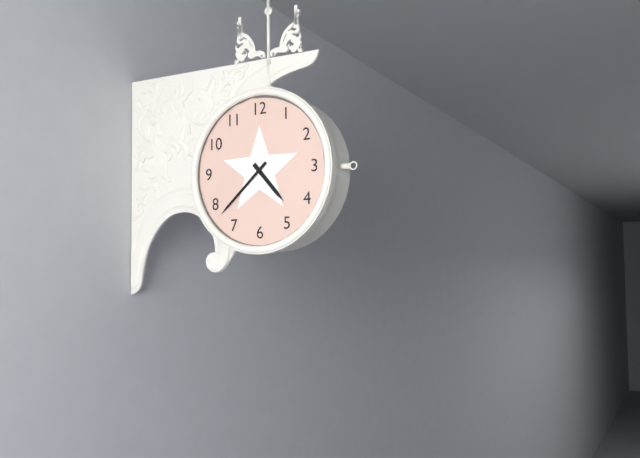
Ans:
4h38
